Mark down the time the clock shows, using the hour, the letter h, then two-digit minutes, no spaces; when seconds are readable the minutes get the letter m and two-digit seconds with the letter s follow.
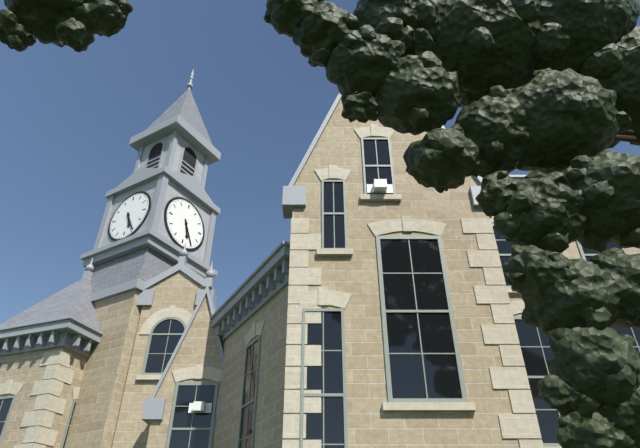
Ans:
5h25
